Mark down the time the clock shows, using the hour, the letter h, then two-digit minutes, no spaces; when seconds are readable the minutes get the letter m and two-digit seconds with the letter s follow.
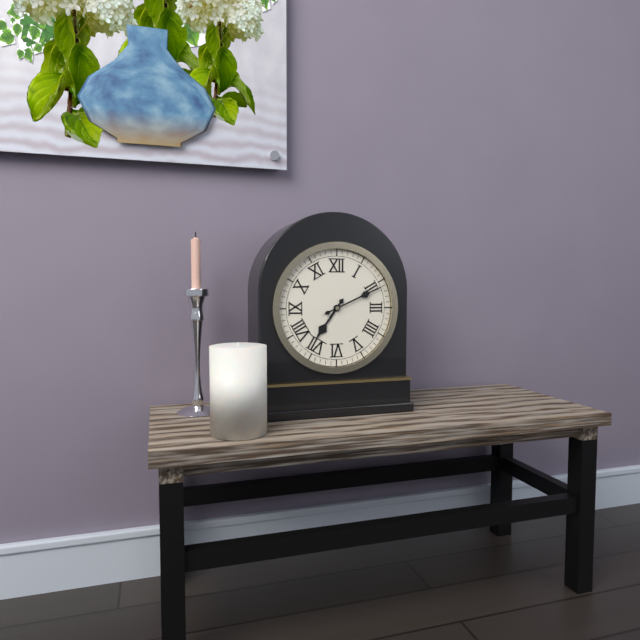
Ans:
7h11
